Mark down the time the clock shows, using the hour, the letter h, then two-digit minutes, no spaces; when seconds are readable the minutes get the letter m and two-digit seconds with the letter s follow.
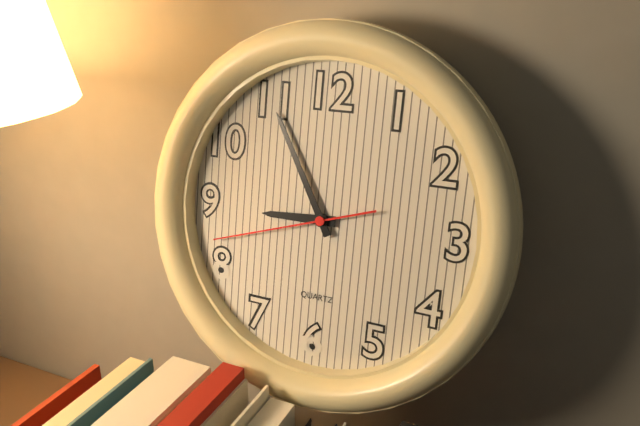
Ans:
8h55m42s
